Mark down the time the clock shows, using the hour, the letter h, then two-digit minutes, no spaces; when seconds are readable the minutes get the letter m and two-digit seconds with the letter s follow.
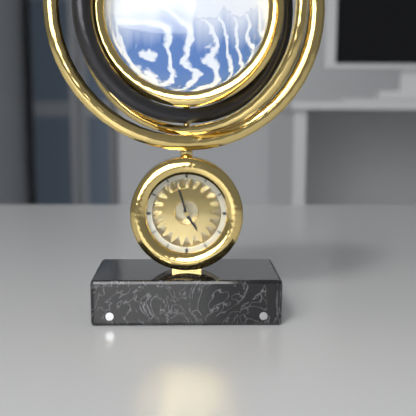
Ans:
4h57
